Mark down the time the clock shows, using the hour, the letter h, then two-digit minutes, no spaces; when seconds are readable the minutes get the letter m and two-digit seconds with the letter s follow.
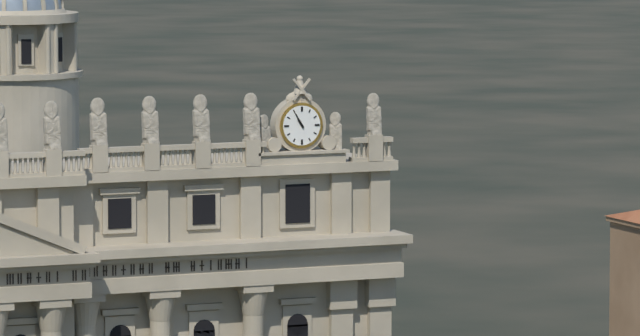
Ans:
10h55
